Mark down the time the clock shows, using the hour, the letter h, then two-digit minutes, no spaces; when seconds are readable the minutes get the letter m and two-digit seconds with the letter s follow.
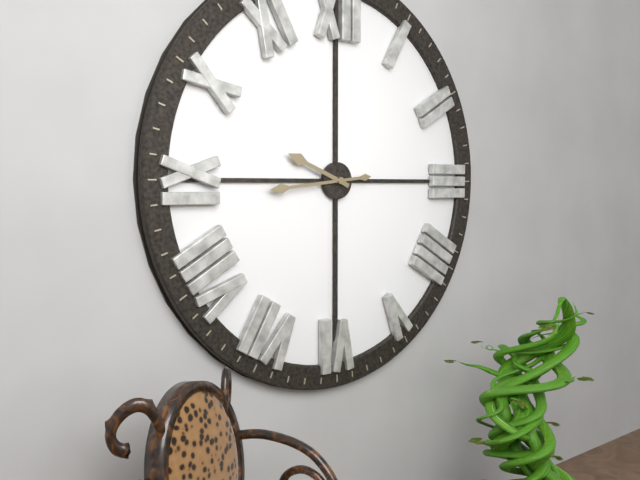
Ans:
9h44
